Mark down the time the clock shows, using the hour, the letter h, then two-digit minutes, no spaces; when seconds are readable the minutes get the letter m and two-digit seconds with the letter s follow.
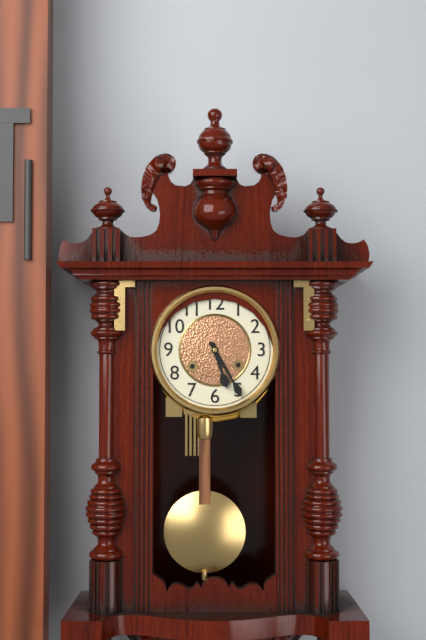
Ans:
5h25
